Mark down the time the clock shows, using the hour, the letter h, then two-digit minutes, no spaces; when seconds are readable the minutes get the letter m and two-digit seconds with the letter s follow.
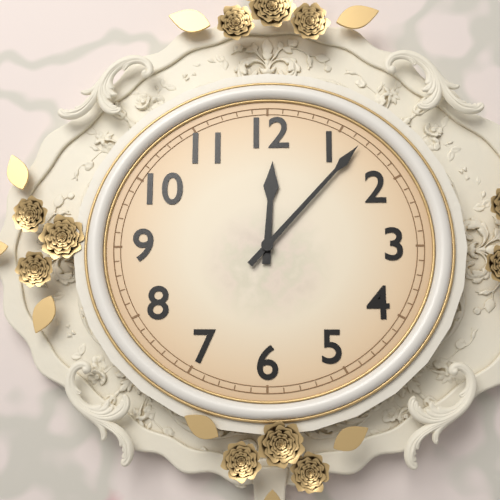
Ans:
12h07
